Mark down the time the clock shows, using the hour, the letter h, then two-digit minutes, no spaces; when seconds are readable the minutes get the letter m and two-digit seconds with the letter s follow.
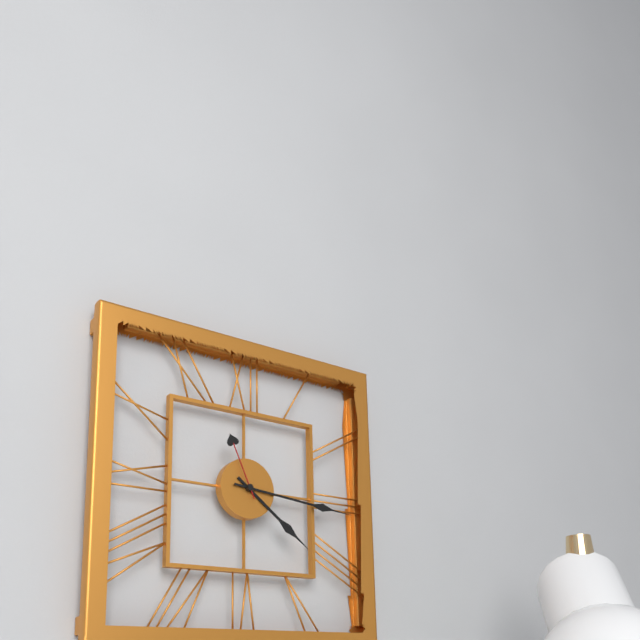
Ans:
4h16m56s
